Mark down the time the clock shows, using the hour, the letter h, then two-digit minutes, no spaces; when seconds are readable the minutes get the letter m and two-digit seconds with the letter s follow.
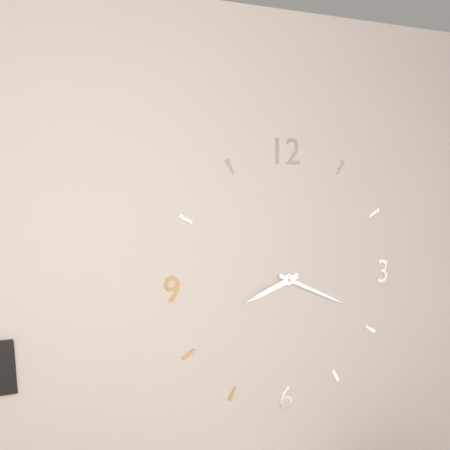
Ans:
8h19
